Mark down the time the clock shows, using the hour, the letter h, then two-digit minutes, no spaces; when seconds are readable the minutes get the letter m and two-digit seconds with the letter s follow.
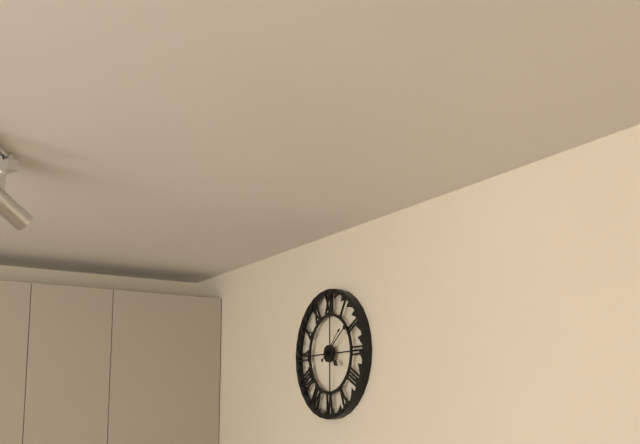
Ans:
4h09
